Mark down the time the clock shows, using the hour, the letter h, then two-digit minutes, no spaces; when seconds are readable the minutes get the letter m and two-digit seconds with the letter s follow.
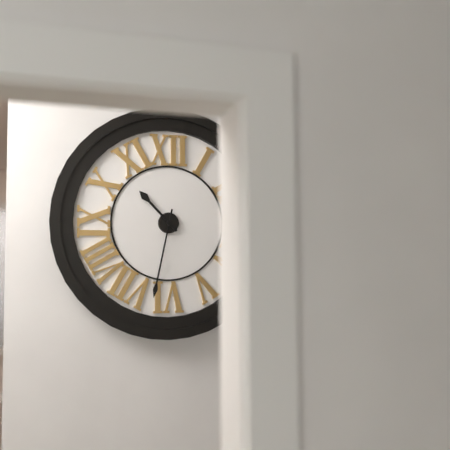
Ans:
10h32
